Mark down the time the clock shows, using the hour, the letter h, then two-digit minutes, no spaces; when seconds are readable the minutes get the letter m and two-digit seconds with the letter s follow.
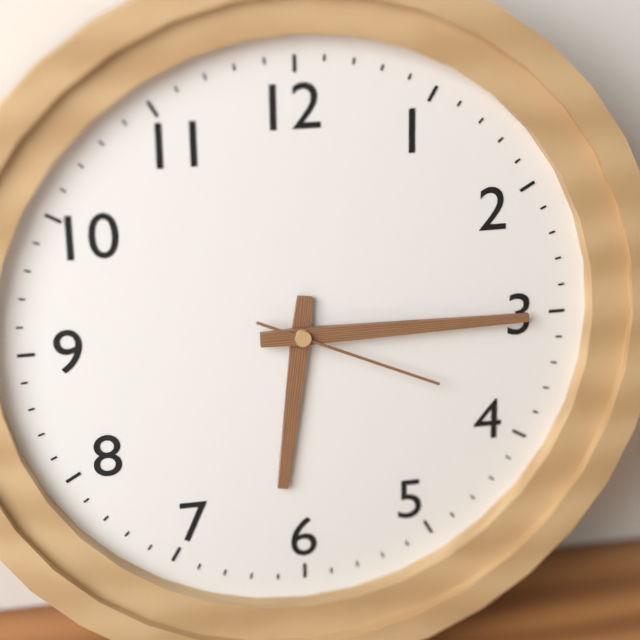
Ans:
6h15m19s
